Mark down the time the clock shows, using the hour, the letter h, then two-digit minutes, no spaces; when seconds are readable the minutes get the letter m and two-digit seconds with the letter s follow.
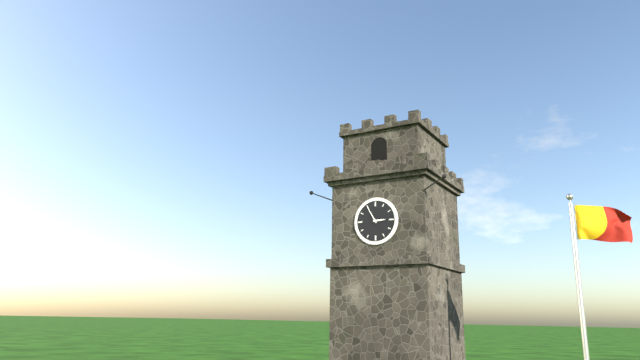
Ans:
2h55
